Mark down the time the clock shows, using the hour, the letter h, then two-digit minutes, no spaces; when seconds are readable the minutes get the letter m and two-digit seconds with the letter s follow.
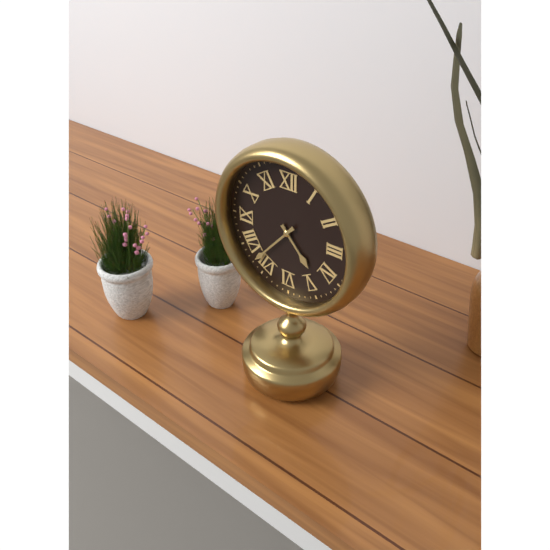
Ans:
4h37
